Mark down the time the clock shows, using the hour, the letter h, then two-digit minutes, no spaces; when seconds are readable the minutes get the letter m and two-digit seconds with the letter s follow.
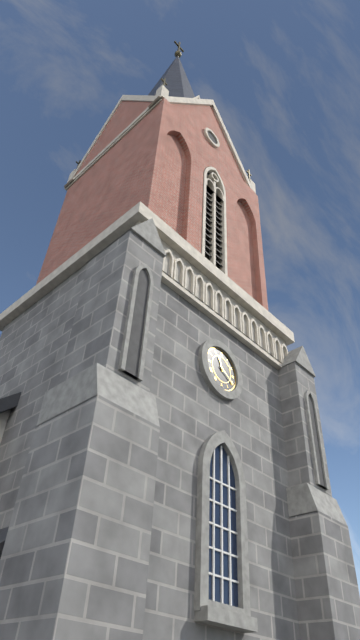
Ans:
11h20
